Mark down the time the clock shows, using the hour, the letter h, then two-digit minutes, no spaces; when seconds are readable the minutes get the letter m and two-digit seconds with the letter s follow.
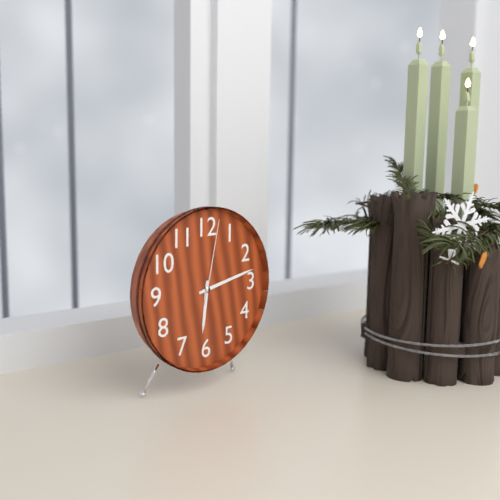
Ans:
6h13m02s
